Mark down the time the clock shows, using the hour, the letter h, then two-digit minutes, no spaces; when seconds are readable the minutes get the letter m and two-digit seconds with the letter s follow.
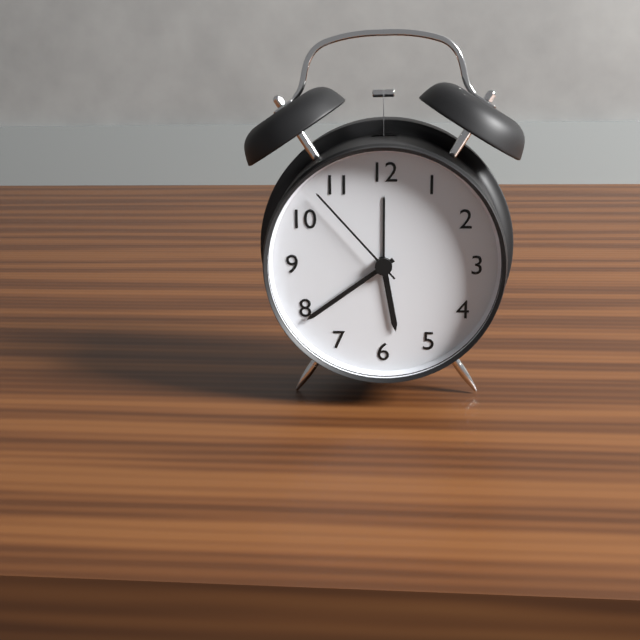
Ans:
5h39m53s
